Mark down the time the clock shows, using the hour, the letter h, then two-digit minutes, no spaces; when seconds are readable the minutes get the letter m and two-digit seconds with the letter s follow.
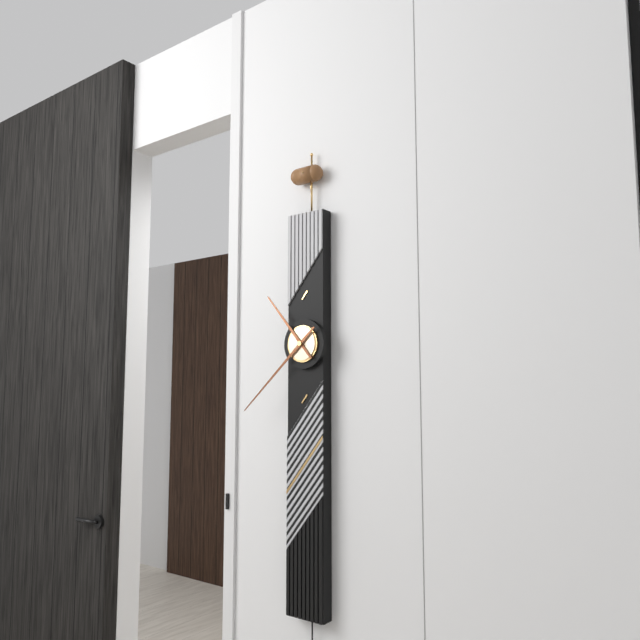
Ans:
10h38
